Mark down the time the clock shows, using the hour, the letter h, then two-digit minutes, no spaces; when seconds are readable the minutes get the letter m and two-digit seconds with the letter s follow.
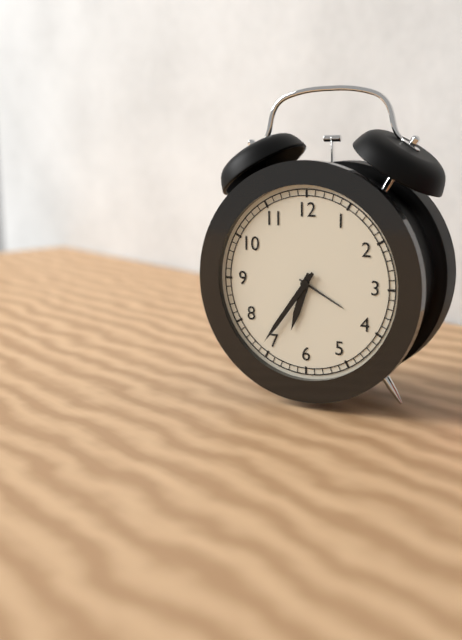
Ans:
6h36
